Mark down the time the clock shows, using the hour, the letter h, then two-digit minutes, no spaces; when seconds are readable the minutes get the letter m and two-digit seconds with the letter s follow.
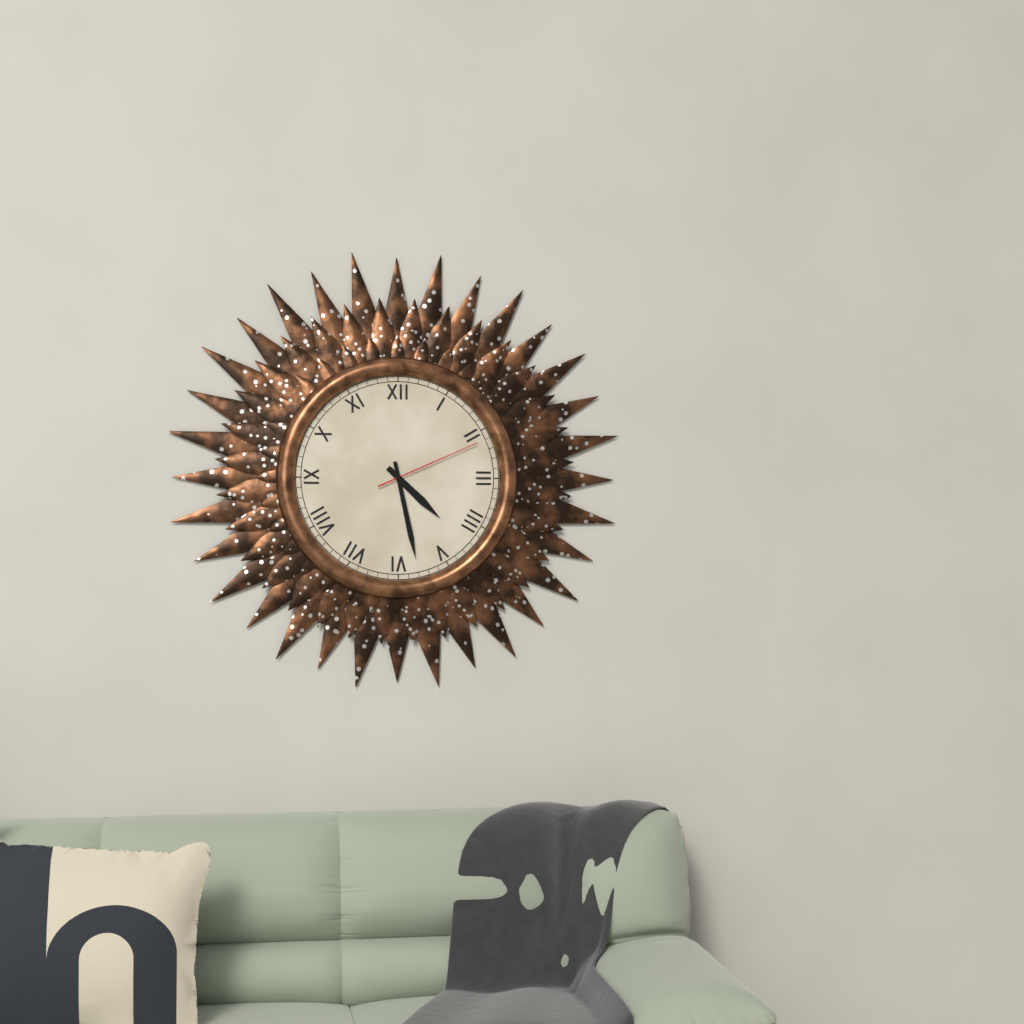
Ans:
4h28m11s
